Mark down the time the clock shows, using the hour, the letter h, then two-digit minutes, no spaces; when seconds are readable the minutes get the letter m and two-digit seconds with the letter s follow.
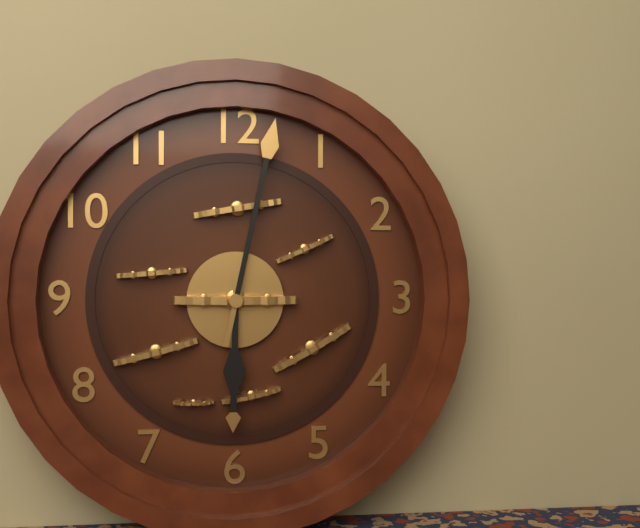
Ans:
6h02
